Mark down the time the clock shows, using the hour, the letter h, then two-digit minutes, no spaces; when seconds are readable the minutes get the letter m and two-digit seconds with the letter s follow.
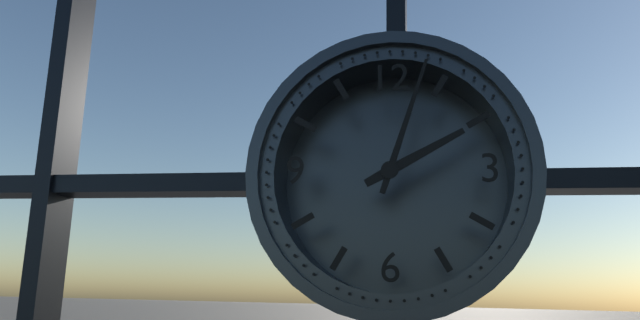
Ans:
2h03
